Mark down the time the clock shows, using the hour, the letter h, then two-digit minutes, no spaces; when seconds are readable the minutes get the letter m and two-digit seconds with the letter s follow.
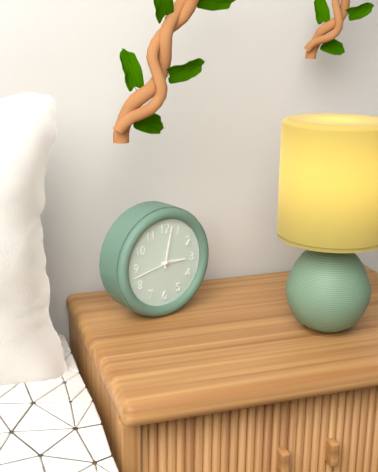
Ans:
3h02
